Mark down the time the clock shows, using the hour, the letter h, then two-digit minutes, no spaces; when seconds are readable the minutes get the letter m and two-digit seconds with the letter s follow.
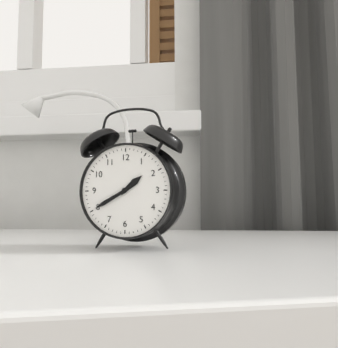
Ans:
1h40
